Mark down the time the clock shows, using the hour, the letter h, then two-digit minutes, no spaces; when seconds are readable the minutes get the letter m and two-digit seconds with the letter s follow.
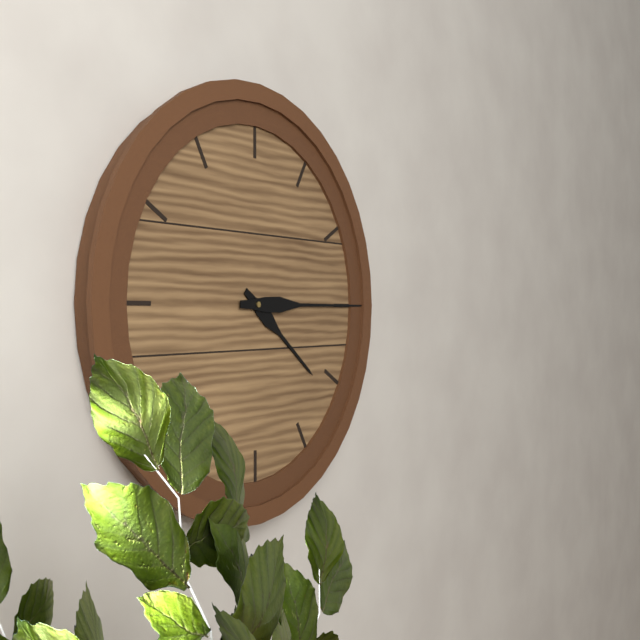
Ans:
4h15
